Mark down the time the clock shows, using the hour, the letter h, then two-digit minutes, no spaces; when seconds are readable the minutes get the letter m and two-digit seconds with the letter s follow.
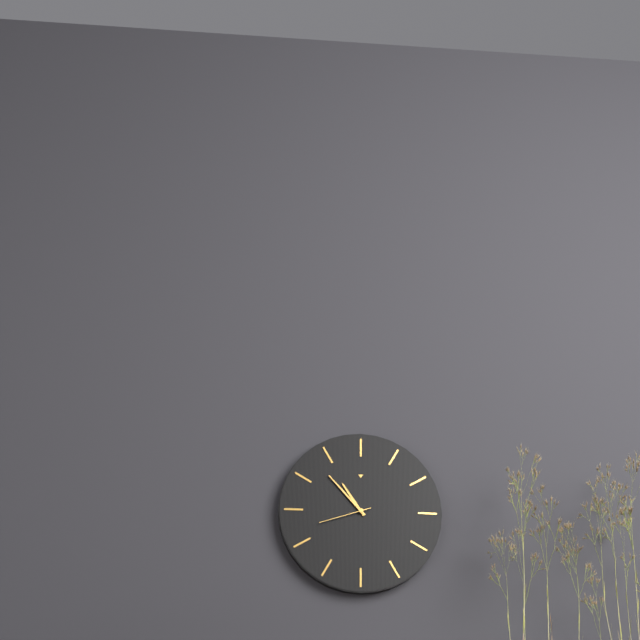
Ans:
10h53m42s
